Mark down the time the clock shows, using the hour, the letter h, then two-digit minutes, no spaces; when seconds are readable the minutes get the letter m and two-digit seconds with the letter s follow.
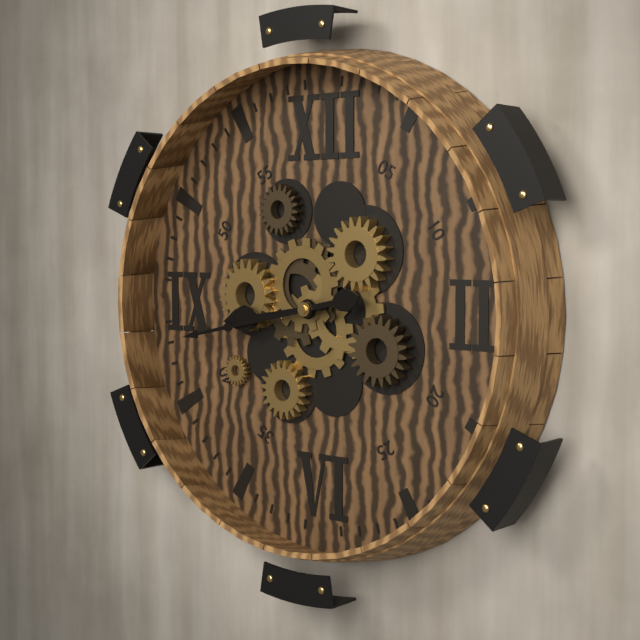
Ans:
8h43
